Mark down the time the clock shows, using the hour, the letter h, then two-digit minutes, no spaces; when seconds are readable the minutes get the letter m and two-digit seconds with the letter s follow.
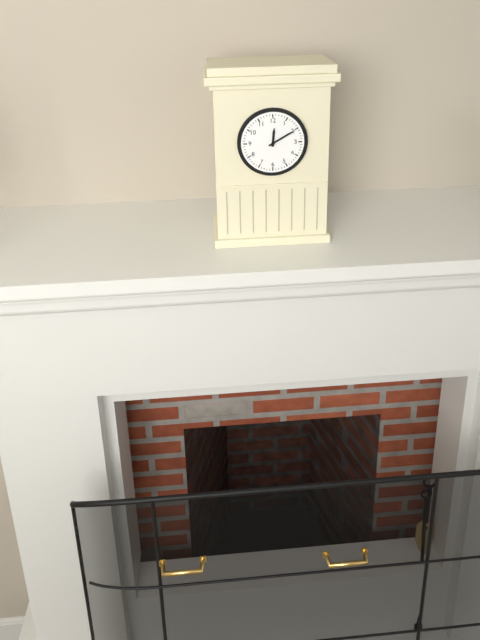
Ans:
12h10
